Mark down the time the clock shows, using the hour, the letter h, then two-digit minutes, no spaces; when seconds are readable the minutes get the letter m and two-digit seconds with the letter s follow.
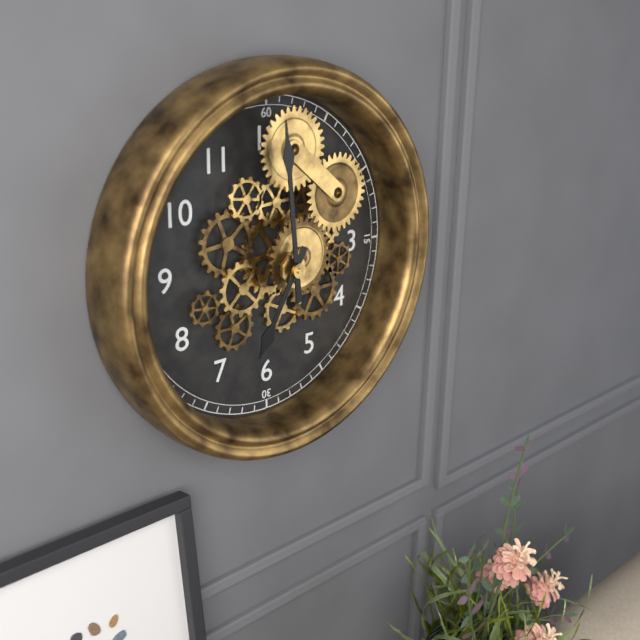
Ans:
6h59
